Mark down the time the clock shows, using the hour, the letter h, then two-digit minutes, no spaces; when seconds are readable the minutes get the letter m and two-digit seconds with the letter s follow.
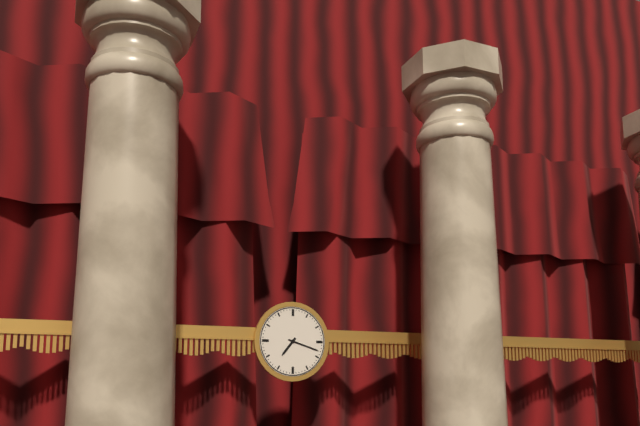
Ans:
7h18
